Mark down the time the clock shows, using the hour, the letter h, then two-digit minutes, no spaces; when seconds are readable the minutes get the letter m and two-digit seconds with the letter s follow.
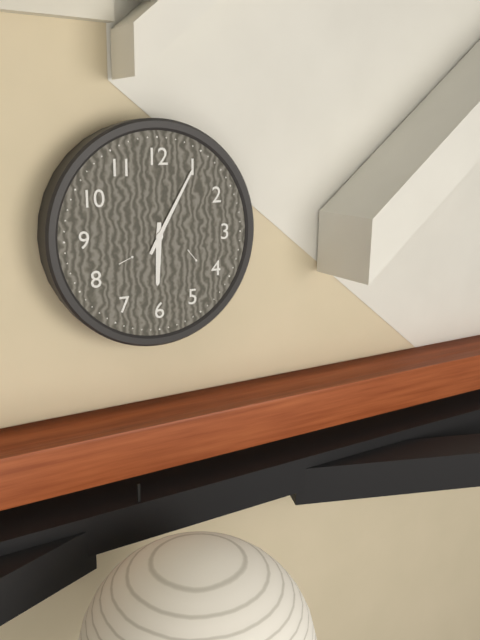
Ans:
6h05
